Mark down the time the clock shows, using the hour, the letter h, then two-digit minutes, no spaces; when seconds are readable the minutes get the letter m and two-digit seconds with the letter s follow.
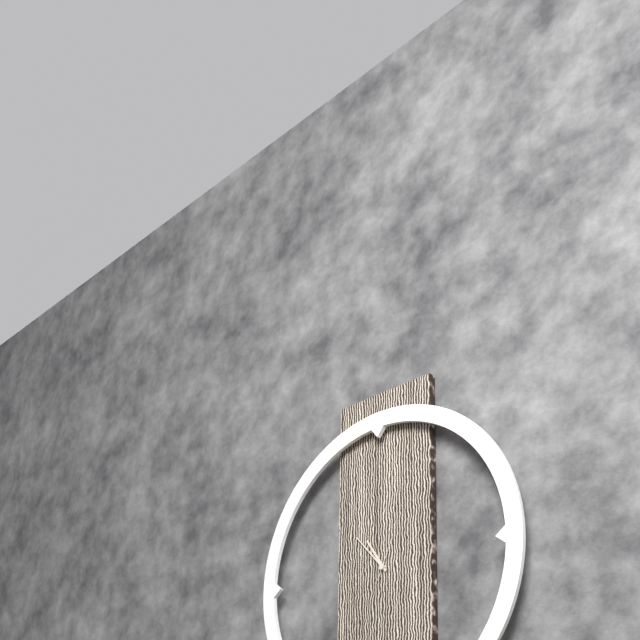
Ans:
10h53
